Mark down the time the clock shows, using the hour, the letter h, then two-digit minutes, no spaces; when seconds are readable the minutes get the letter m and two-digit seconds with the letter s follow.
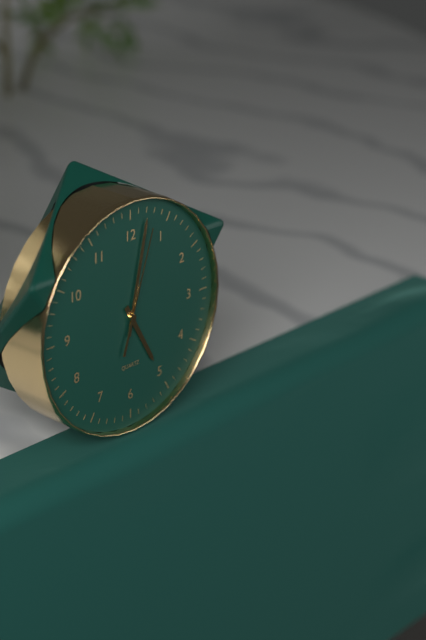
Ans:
5h02m03s
